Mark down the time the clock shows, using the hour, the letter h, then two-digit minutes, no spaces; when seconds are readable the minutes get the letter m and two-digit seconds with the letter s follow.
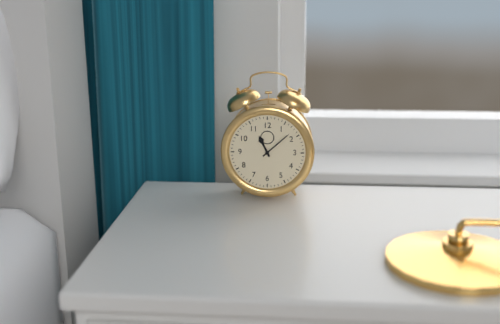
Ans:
11h08
